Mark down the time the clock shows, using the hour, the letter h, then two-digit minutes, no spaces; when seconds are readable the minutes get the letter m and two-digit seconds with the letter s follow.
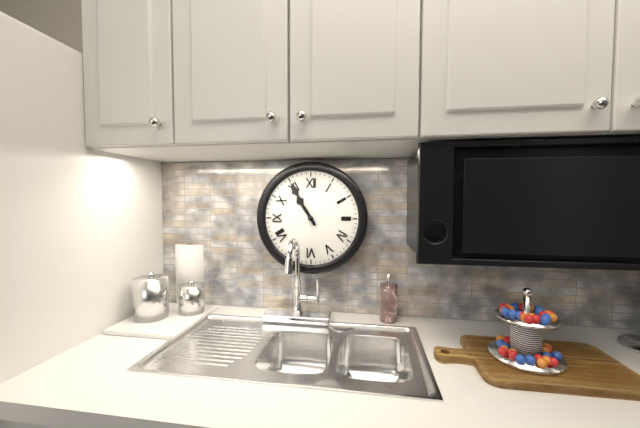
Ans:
10h55
